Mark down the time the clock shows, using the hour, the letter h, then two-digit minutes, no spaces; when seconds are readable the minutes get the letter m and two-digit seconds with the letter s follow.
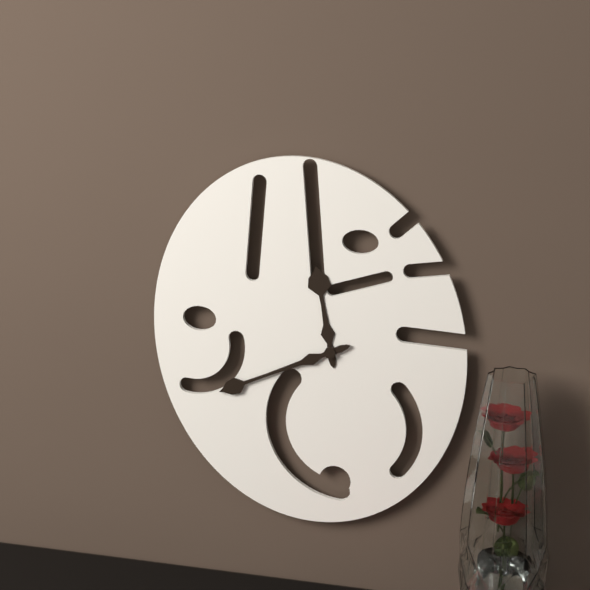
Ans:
11h41
